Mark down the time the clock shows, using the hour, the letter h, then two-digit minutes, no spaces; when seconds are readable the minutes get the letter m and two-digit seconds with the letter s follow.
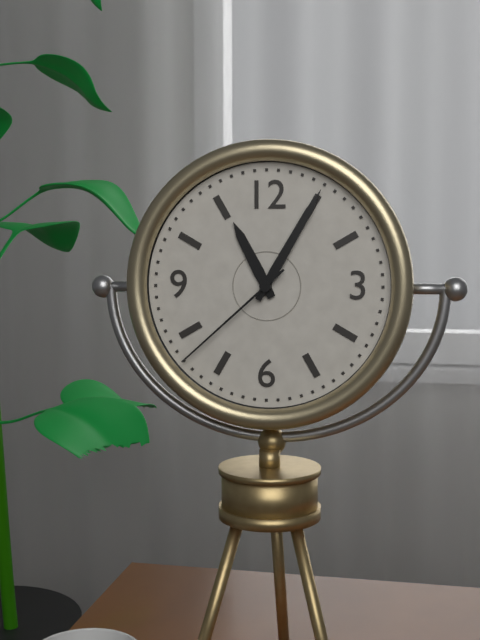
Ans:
11h05m38s
